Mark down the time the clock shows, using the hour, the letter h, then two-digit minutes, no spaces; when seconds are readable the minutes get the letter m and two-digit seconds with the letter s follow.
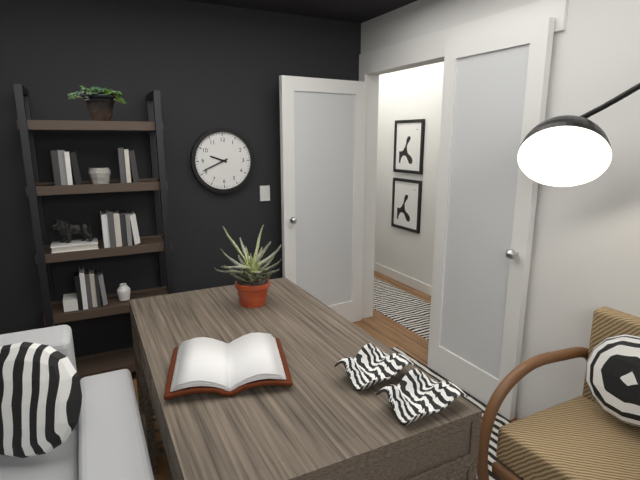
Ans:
9h41
